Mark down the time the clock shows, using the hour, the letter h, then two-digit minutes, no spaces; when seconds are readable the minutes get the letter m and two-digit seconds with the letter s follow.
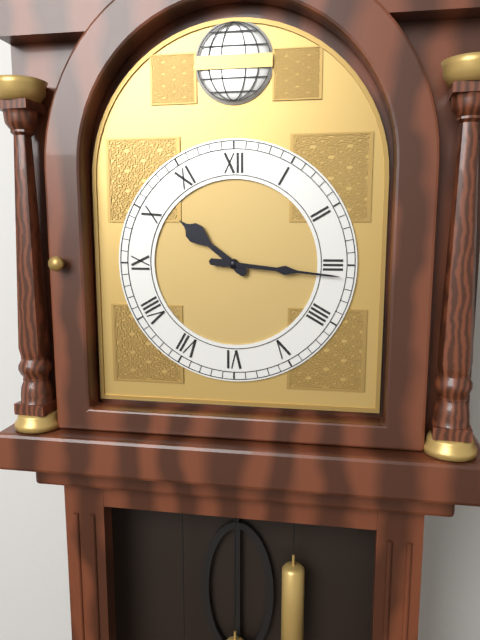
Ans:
10h16
